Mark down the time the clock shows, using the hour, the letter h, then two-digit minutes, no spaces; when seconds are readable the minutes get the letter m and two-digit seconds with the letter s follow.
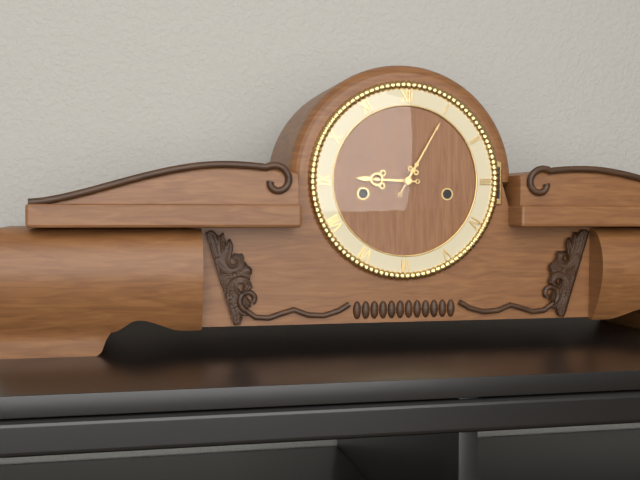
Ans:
9h05
